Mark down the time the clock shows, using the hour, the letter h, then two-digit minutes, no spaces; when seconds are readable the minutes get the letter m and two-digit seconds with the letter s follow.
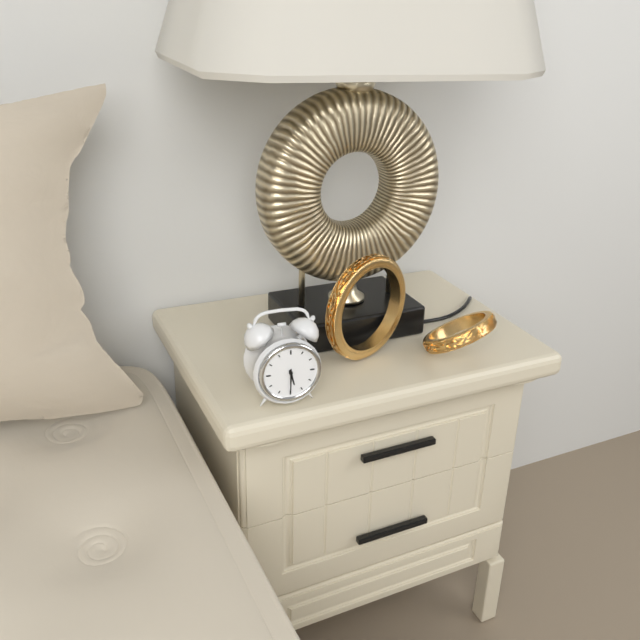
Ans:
5h30
